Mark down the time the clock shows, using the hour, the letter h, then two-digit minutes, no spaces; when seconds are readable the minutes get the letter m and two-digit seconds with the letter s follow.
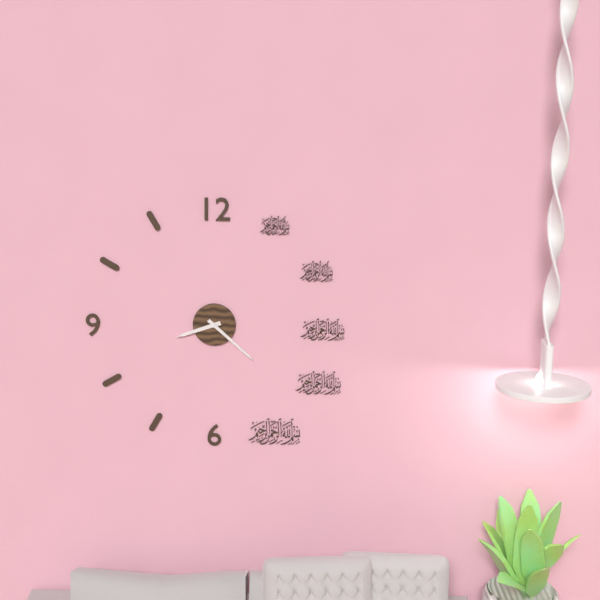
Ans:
8h22
